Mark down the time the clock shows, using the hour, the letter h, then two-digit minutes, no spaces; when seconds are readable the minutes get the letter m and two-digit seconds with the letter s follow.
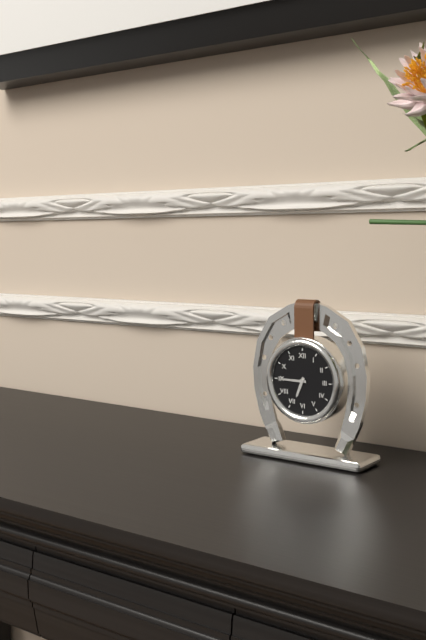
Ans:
6h45
